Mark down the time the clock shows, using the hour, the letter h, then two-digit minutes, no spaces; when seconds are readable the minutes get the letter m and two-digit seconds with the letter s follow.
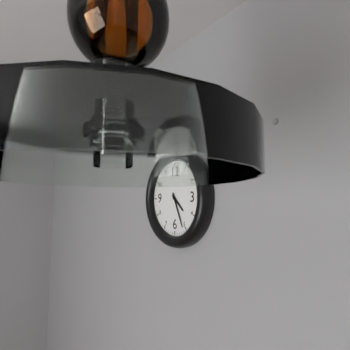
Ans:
4h26
